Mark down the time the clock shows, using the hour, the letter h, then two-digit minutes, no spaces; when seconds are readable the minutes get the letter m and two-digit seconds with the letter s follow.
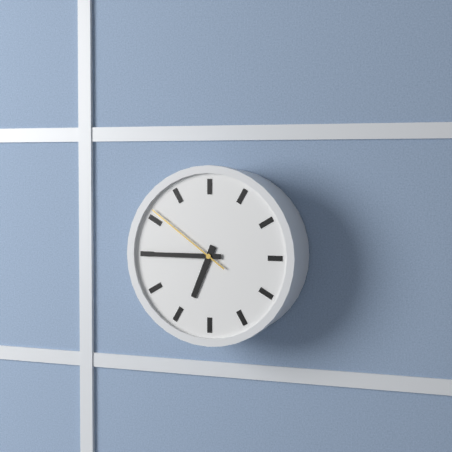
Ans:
6h45m51s
